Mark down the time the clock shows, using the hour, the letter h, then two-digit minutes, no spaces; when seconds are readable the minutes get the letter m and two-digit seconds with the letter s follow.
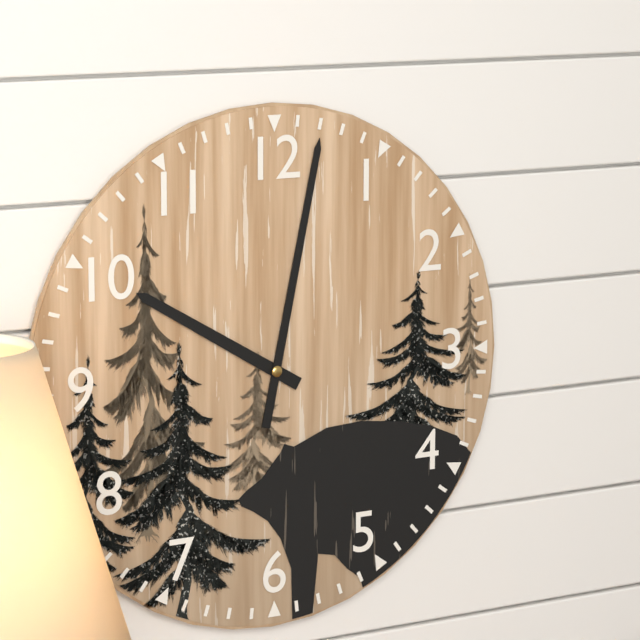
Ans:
10h02
